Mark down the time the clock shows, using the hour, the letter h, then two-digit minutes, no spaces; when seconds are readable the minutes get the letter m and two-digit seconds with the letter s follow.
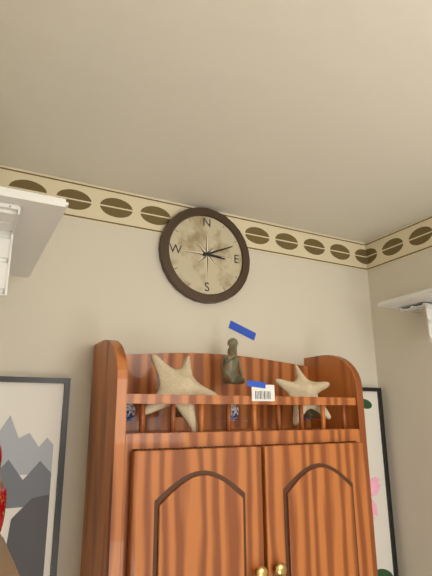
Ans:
3h11
